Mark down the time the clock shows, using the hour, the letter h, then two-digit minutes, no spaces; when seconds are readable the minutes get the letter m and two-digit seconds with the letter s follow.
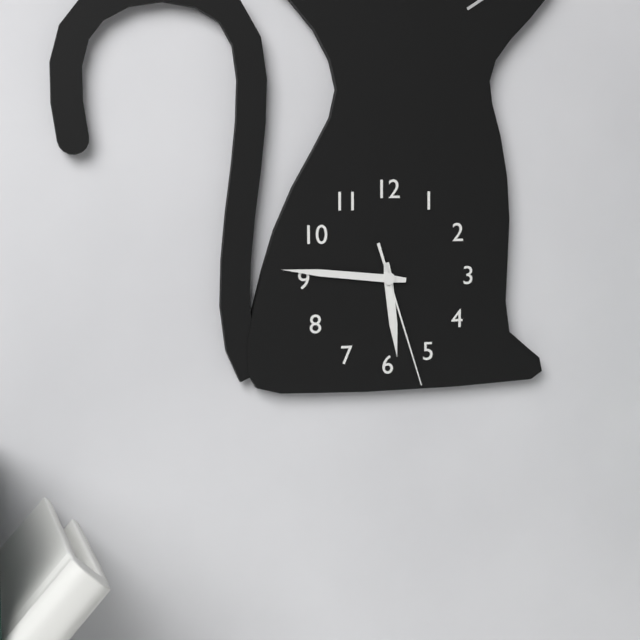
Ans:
5h46m27s
